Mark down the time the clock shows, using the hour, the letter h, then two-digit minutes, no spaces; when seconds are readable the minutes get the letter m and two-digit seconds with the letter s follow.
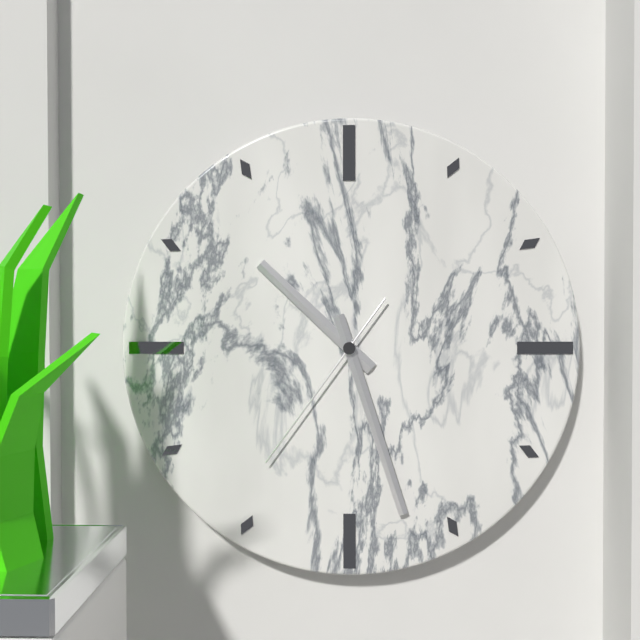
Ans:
10h27m36s
